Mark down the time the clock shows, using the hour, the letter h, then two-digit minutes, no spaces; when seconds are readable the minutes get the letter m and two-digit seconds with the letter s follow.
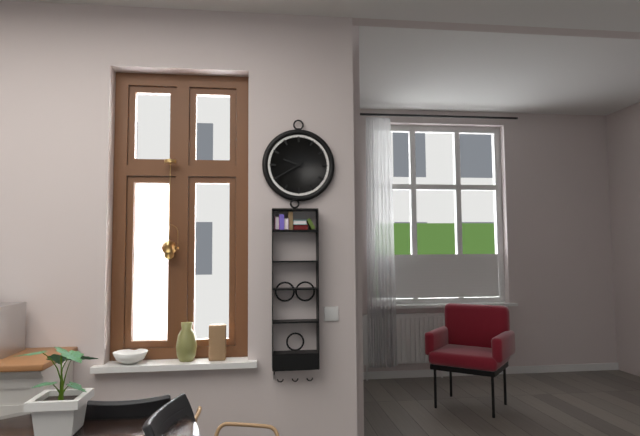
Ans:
9h40
